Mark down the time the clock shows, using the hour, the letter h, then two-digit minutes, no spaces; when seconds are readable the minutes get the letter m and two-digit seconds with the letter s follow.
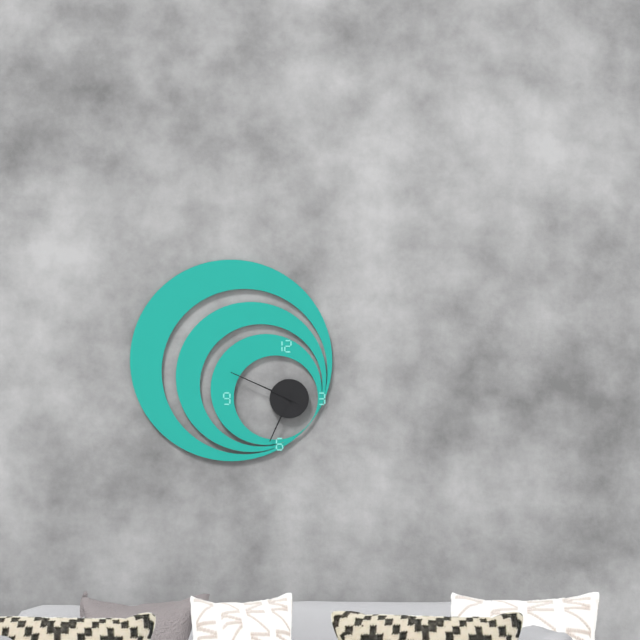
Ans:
6h49
